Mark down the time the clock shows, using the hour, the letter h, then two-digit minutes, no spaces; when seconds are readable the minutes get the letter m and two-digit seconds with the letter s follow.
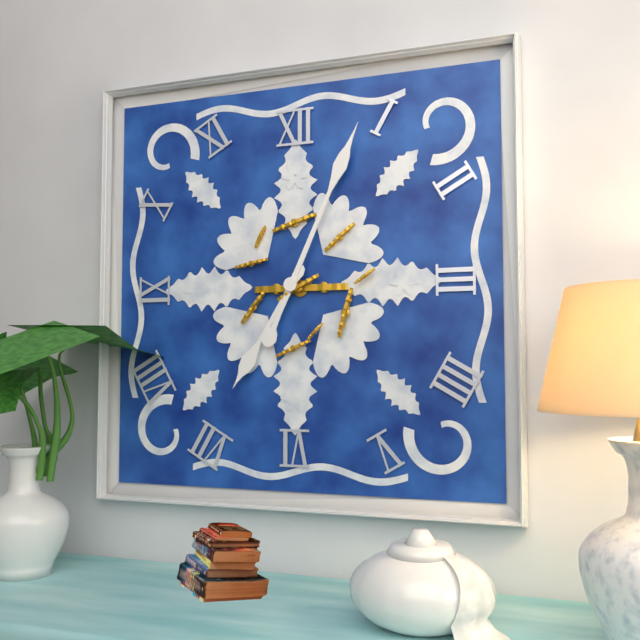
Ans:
7h04
